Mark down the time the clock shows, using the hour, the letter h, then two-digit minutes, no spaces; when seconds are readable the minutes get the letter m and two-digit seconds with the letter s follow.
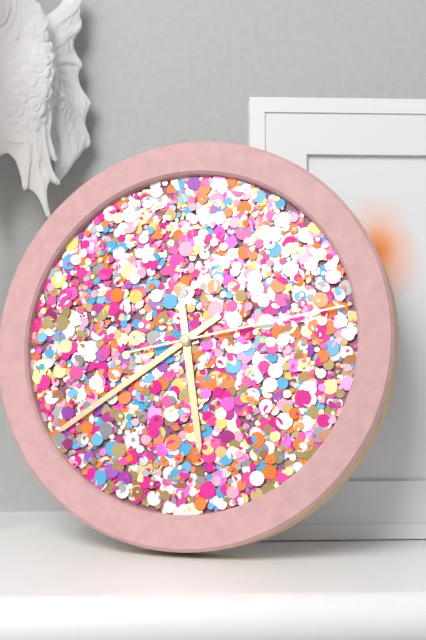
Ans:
5h39m13s
